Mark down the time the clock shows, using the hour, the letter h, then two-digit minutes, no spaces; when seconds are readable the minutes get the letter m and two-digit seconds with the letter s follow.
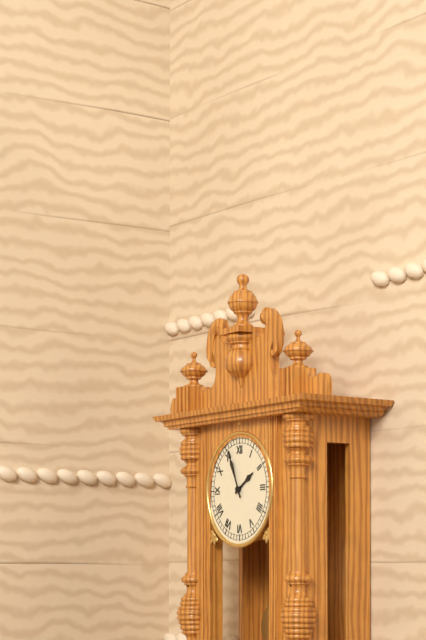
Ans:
1h56
